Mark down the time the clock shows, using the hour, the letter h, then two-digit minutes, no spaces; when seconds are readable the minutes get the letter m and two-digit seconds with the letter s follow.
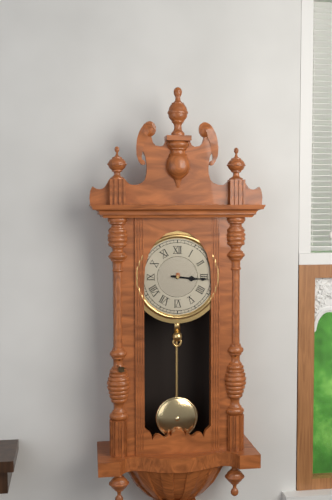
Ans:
3h16
